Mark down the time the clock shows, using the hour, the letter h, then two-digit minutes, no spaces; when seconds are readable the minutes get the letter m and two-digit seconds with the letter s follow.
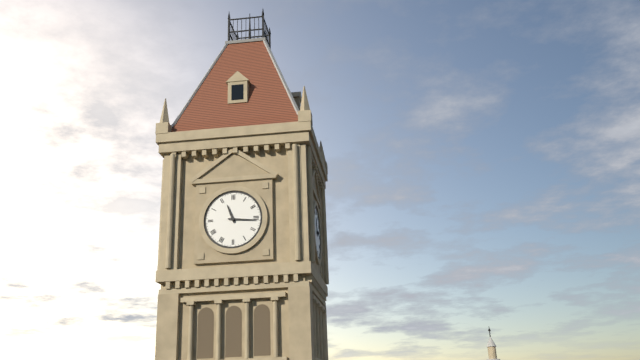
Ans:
11h16
